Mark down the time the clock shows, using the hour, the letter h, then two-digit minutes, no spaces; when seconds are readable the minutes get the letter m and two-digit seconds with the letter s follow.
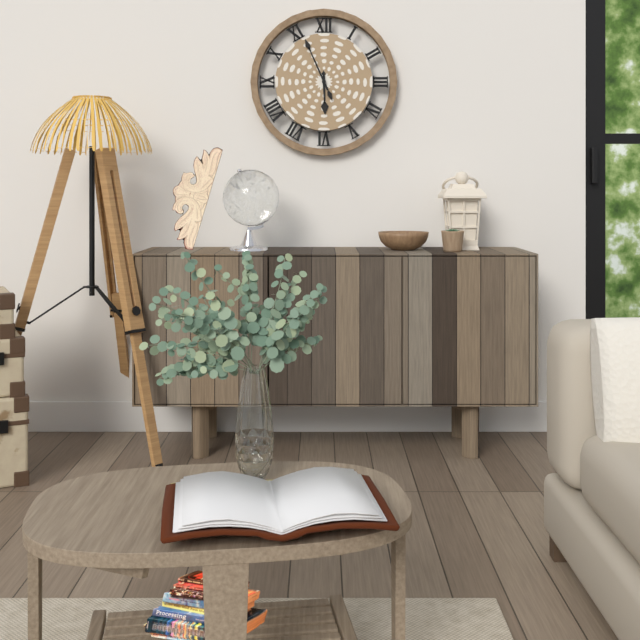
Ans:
5h56
